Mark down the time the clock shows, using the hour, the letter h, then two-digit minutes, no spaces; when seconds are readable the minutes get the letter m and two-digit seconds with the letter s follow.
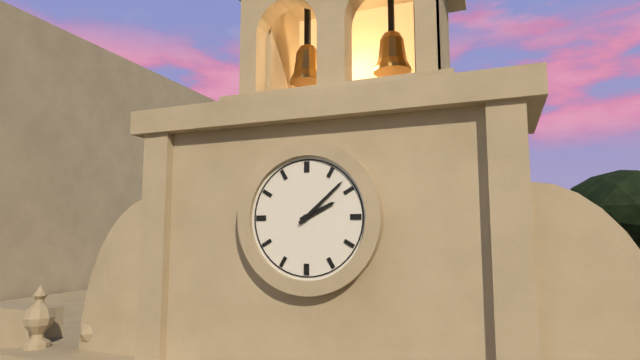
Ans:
2h08
